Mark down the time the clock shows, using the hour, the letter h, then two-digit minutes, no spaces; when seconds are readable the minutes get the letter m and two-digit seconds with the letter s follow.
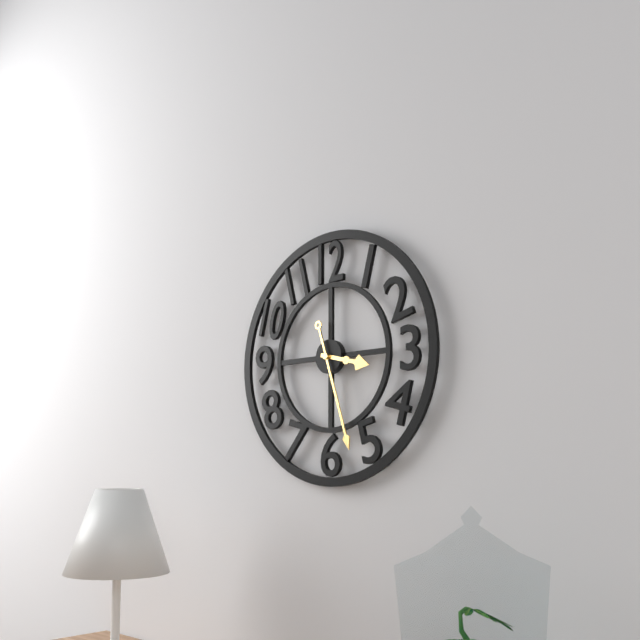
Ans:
3h27
